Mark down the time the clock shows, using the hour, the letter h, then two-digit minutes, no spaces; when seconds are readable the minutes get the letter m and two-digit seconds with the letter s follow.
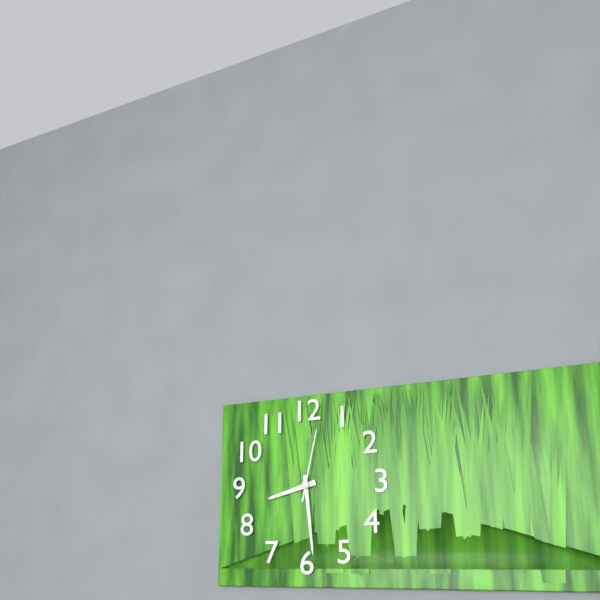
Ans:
8h29m02s
